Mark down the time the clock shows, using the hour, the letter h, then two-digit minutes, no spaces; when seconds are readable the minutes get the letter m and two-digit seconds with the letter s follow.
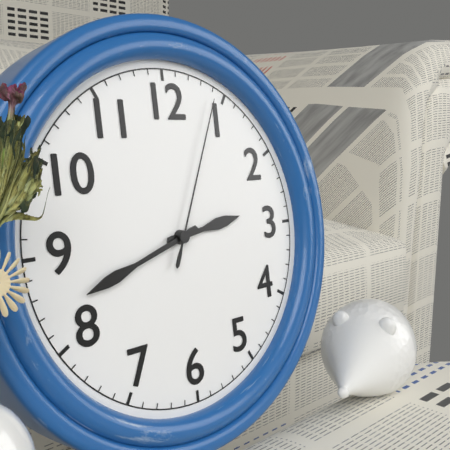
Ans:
2h42m04s
